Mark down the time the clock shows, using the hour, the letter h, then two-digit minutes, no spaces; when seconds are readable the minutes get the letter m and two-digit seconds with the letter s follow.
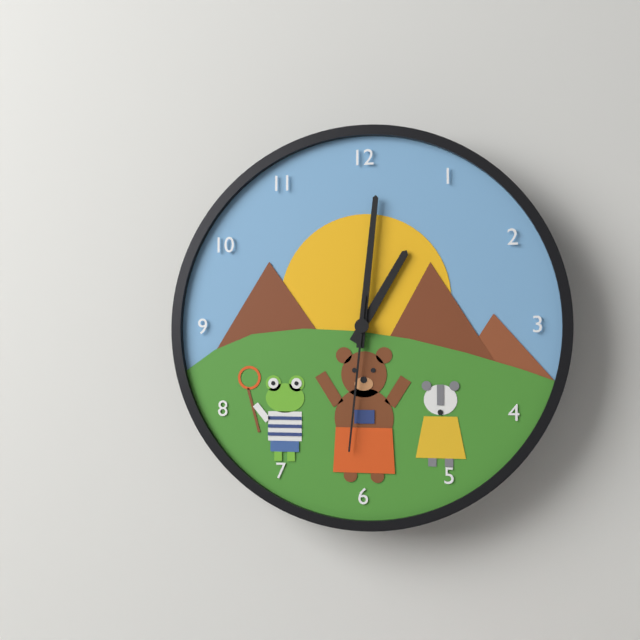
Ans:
1h01m31s
